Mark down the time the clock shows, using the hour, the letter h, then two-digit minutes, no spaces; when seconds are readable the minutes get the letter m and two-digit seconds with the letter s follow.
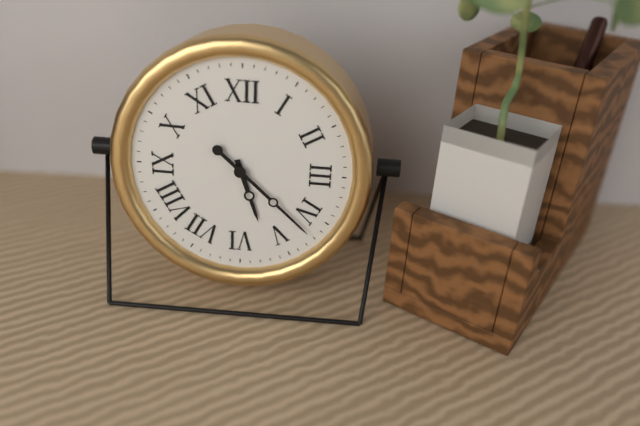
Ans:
5h22
